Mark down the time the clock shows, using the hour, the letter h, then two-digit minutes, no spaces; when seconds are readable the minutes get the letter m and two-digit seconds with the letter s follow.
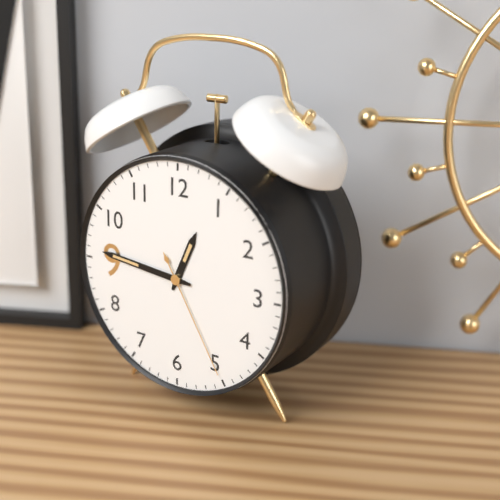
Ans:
12h46m25s
